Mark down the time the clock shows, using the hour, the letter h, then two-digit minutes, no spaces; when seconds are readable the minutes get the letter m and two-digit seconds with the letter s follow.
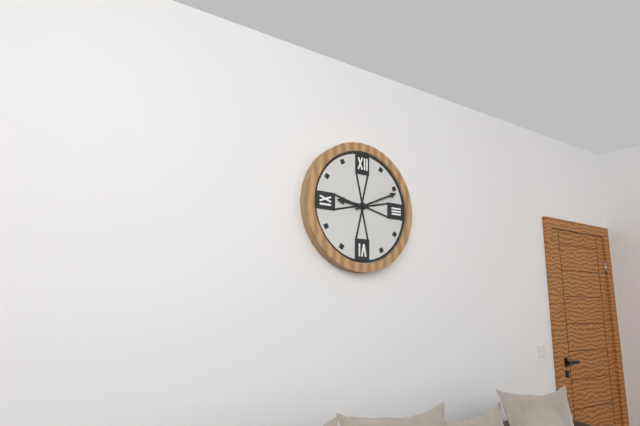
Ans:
9h11
